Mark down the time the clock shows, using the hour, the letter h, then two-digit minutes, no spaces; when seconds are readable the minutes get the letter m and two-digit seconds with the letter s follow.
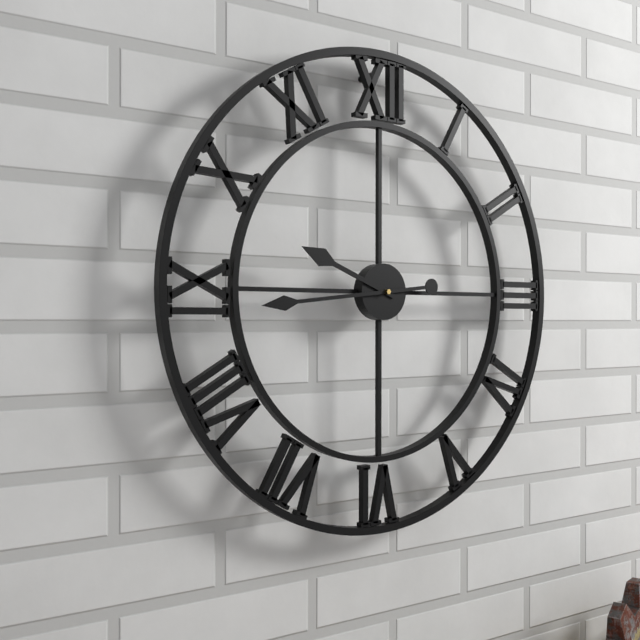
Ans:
9h44
